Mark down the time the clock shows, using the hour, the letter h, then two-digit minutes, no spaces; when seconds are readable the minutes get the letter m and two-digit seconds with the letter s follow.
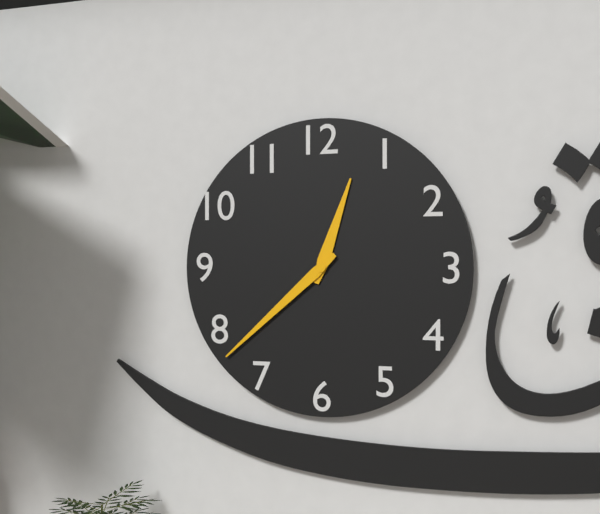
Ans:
12h38
